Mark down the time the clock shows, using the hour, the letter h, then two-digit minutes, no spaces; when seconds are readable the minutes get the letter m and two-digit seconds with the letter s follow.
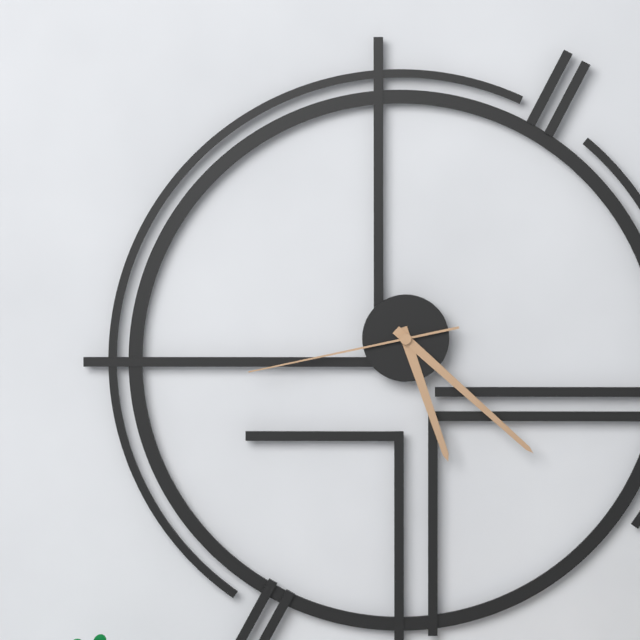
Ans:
5h22m43s
